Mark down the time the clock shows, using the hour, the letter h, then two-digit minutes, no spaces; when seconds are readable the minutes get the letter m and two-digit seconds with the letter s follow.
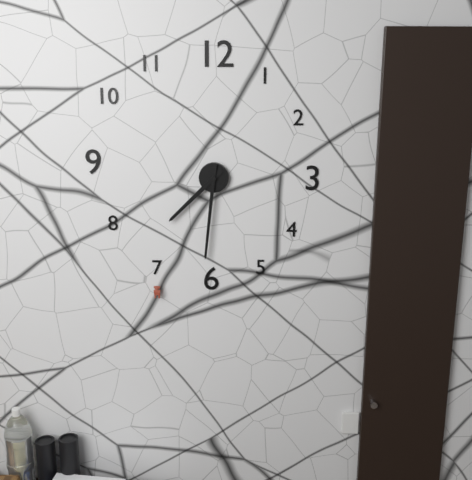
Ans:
7h31
